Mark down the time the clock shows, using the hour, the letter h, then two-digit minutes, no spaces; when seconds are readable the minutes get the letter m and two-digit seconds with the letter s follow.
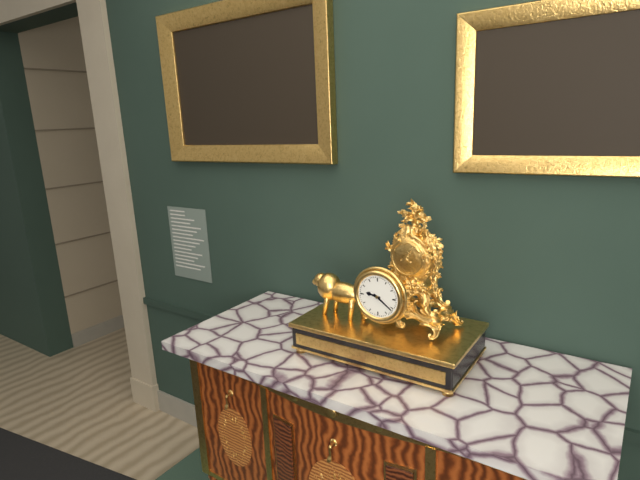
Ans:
9h21
